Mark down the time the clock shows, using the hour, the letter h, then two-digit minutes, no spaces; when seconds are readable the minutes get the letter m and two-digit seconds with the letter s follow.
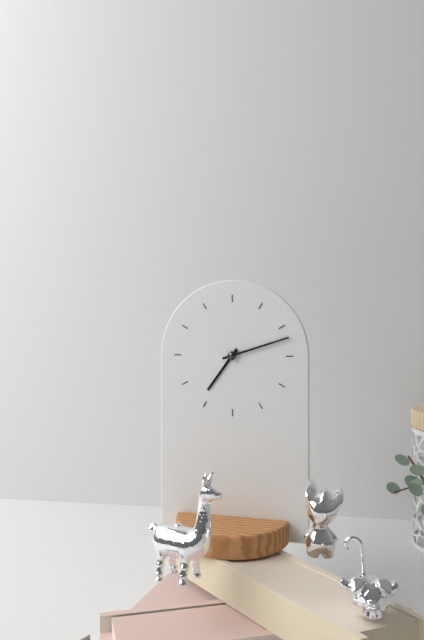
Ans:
7h12
